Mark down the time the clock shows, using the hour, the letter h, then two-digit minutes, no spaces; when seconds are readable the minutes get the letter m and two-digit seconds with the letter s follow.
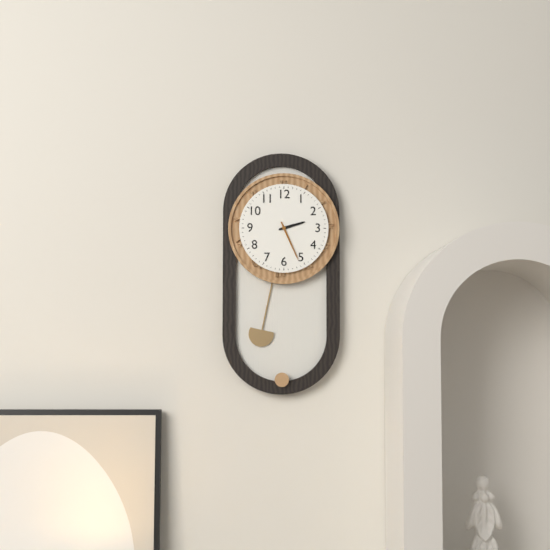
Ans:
2h26
